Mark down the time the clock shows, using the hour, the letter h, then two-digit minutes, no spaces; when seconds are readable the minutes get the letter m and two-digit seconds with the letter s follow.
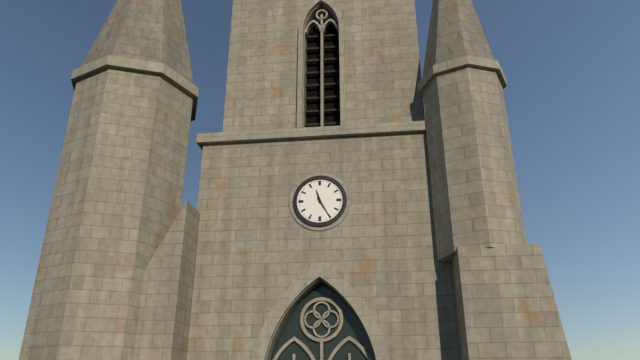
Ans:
11h25
